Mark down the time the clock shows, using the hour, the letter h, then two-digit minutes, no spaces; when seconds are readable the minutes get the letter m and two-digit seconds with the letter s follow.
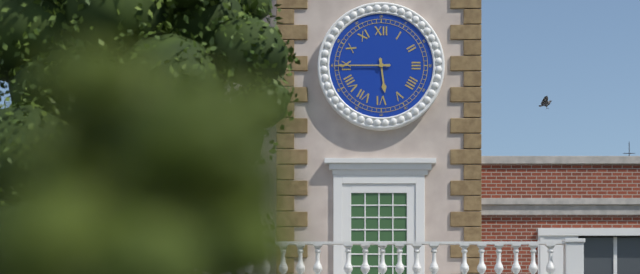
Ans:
5h45
